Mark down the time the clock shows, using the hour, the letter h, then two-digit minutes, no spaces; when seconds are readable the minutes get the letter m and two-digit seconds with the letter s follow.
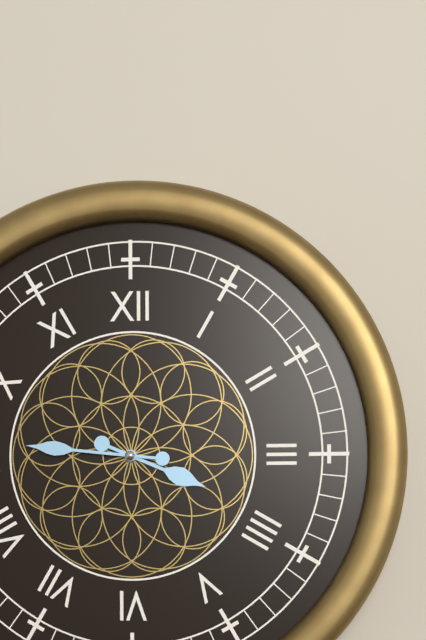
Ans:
3h46
